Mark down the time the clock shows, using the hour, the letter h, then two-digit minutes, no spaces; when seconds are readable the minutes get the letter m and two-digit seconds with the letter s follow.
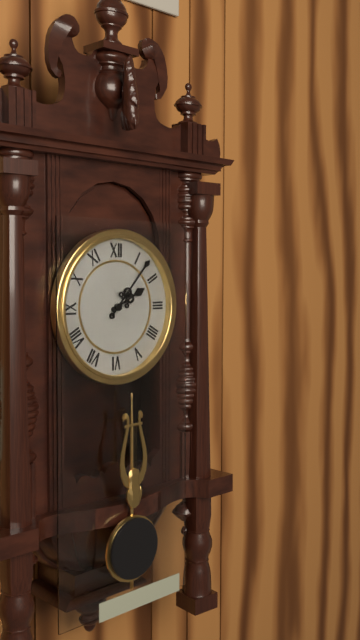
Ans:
2h07
